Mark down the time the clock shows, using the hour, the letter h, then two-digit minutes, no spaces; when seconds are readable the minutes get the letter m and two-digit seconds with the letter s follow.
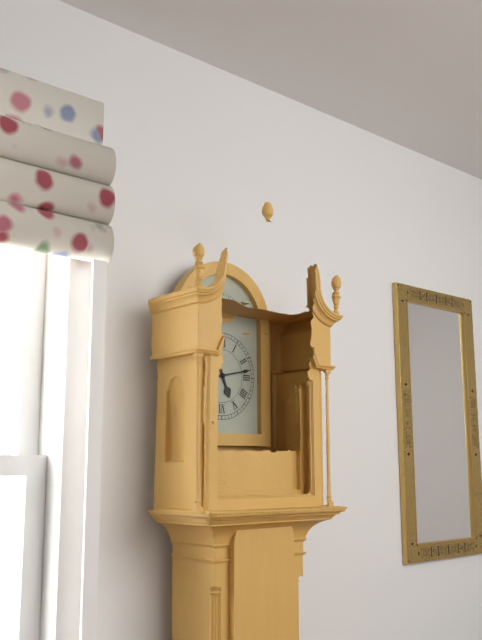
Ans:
5h13
